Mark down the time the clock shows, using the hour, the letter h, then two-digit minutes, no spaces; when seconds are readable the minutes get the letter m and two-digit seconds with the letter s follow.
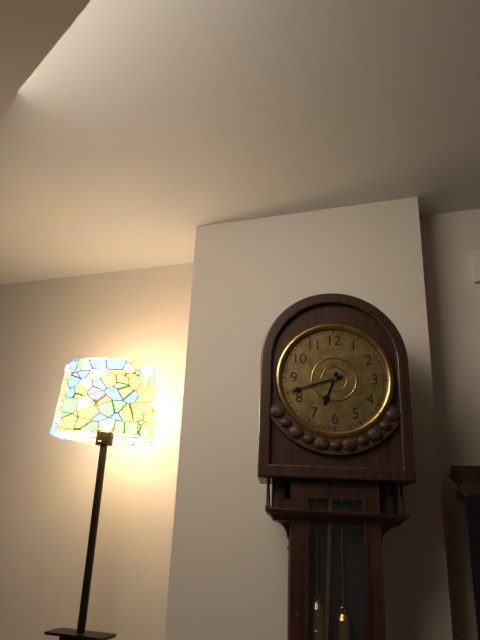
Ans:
6h42
